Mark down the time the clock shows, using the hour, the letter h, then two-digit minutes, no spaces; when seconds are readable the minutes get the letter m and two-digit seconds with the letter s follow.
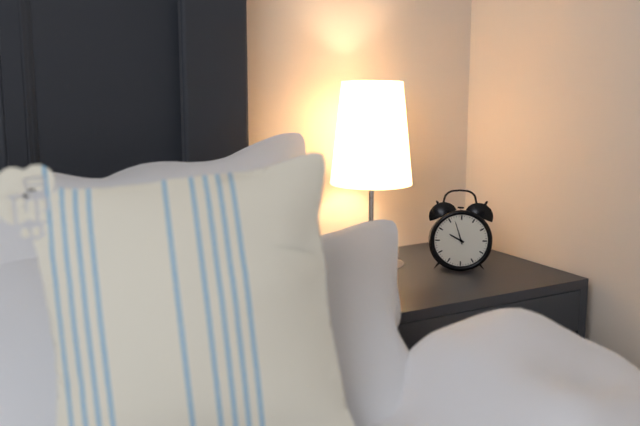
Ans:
9h57
